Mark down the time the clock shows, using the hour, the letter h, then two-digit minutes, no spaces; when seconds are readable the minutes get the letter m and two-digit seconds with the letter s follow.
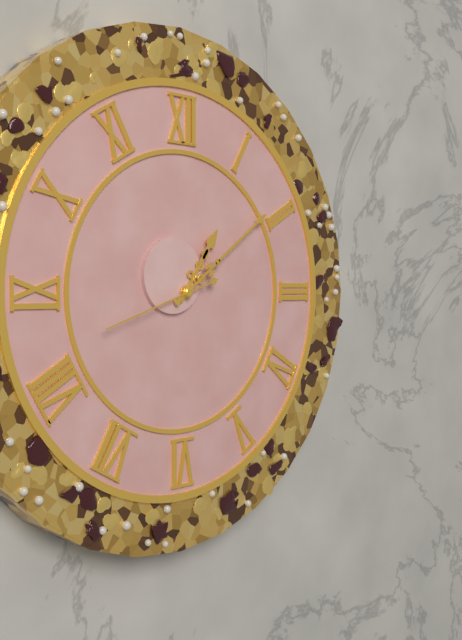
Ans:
1h09m42s
